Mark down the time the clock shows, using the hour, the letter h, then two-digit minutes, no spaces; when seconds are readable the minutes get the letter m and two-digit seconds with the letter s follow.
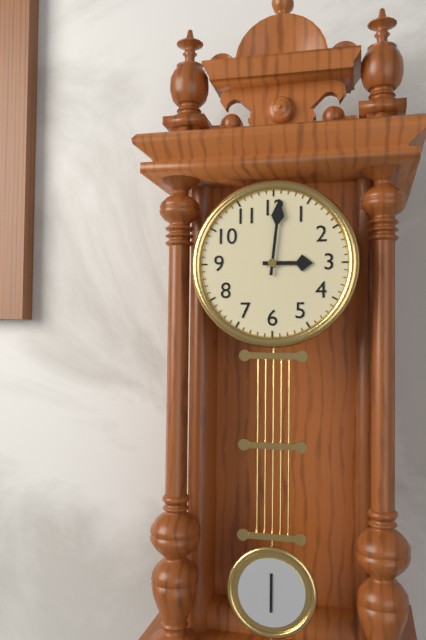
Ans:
3h01
